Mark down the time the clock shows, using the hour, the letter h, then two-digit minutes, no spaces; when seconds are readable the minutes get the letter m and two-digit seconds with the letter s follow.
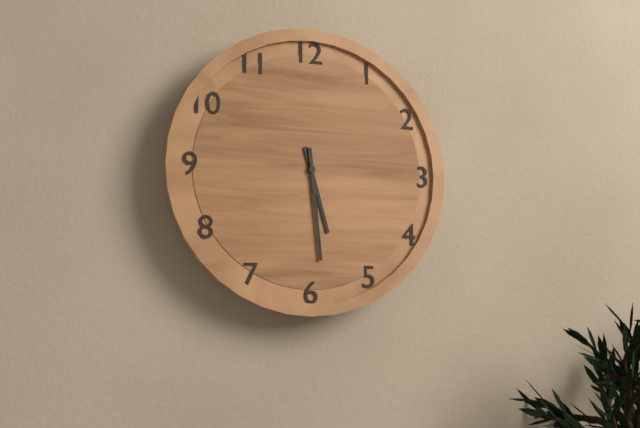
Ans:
5h29
